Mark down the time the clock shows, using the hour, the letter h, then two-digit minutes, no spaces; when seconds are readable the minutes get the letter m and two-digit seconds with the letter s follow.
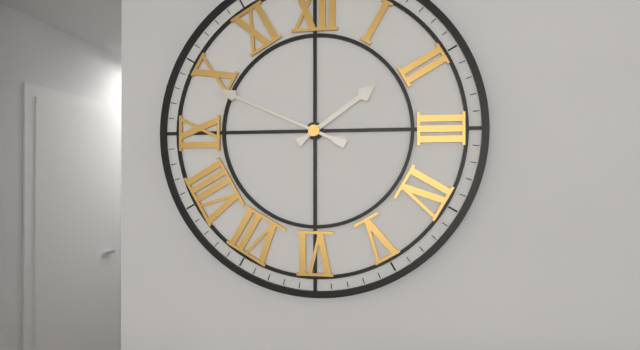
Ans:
1h49
